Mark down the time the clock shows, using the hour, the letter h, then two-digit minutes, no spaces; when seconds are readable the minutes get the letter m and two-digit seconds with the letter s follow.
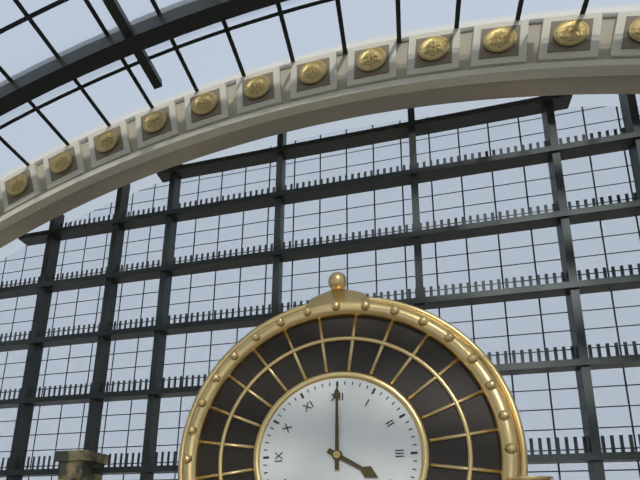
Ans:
4h00
